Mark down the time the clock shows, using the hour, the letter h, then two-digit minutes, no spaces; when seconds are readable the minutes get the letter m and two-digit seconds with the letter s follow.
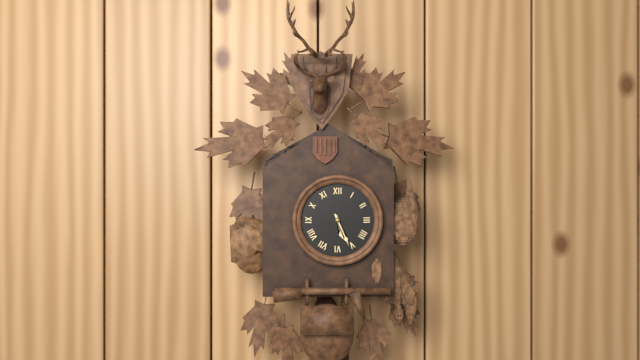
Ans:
5h26
